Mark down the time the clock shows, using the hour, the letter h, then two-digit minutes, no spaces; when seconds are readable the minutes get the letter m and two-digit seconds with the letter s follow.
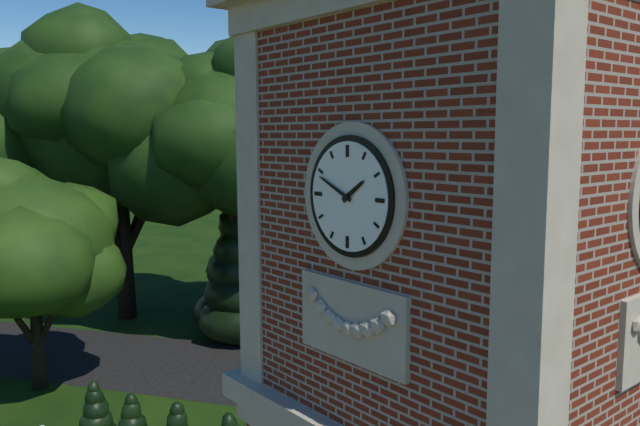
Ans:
1h49
